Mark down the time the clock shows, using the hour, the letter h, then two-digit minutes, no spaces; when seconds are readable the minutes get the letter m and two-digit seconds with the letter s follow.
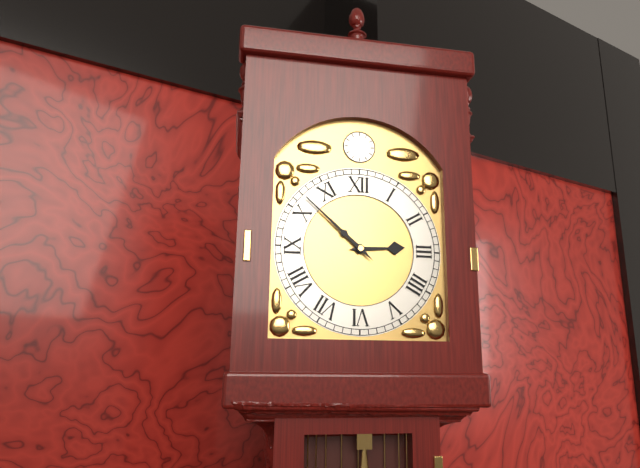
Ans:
2h52
